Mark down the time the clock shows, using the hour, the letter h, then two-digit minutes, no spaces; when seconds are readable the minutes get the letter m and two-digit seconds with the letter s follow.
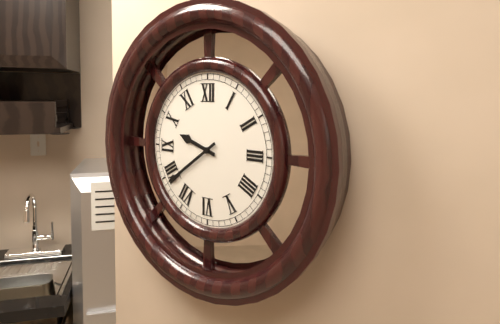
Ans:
9h39
